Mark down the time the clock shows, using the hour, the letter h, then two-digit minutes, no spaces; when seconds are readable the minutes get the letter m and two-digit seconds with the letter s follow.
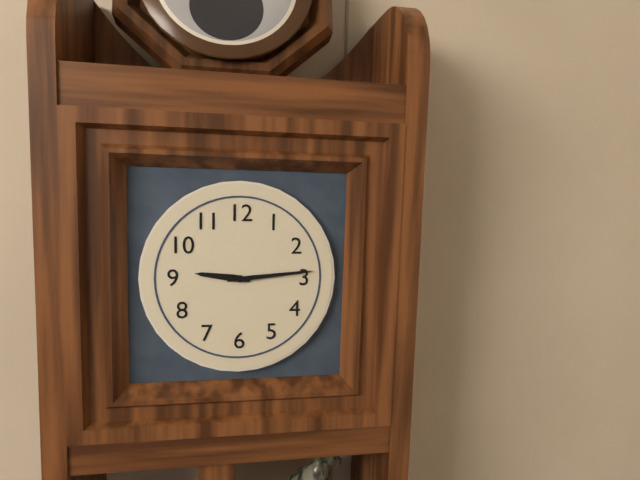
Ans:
9h14
